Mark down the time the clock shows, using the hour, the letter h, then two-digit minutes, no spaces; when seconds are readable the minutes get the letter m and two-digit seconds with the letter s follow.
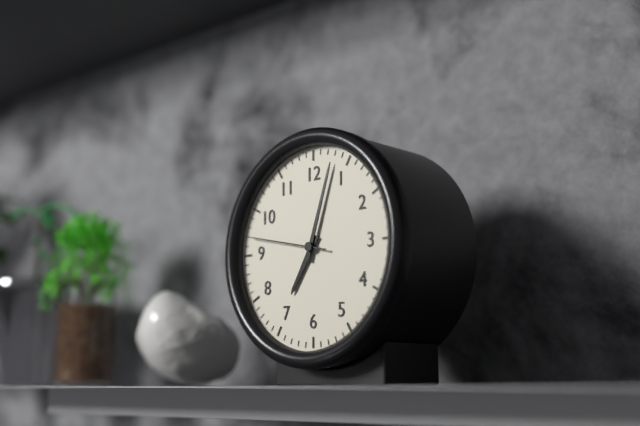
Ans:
7h03m47s
